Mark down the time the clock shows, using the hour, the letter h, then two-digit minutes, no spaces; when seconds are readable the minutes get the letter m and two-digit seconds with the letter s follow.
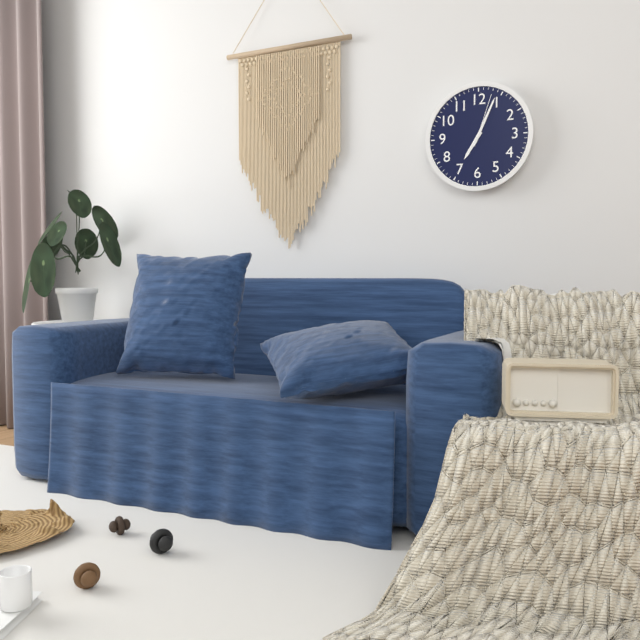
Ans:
7h04m03s
